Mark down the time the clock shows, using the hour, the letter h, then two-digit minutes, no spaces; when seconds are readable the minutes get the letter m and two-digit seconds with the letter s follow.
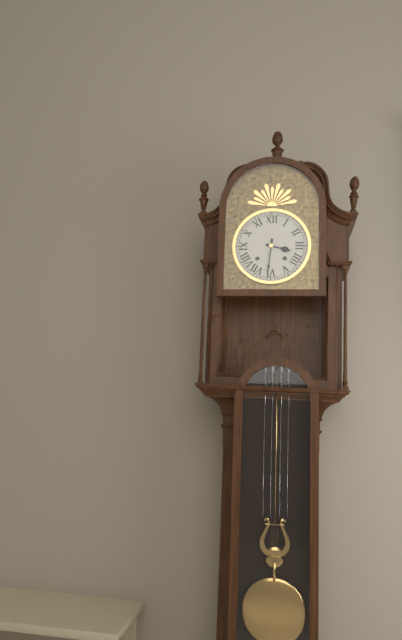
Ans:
3h31
